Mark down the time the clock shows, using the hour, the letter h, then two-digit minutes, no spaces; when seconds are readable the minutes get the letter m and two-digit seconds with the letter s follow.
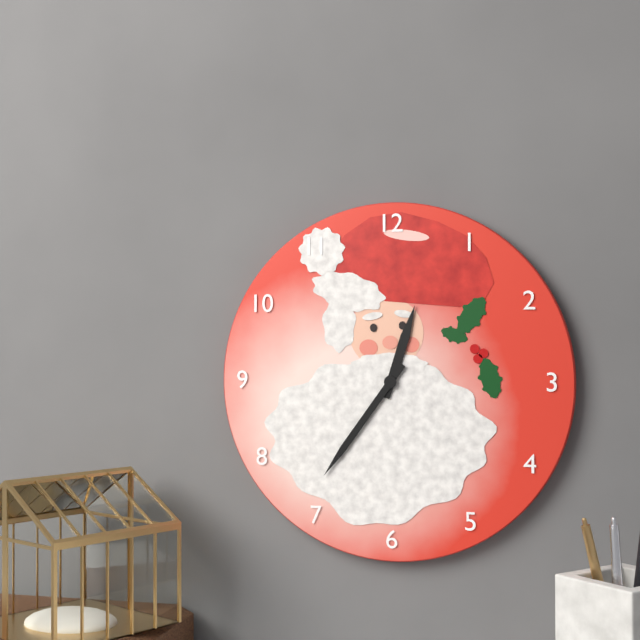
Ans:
12h36
